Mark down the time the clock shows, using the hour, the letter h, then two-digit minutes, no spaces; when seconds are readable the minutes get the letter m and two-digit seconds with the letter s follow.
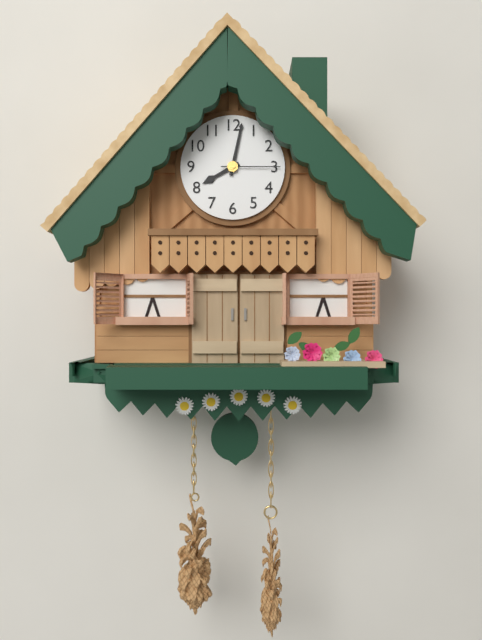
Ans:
8h02m15s
